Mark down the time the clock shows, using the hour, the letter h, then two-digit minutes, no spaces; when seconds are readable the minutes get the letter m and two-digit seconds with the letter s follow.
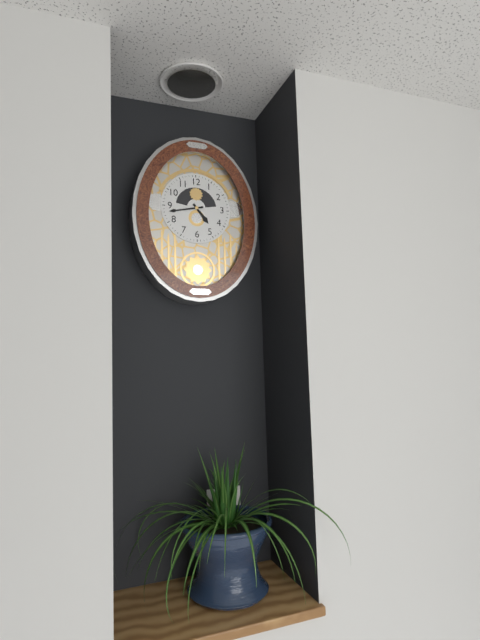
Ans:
4h43
